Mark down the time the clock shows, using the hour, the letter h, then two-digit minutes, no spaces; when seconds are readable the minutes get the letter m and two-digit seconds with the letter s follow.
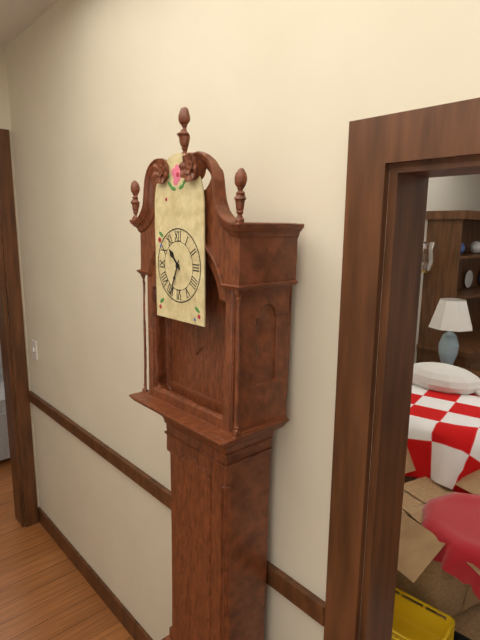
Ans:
10h34
